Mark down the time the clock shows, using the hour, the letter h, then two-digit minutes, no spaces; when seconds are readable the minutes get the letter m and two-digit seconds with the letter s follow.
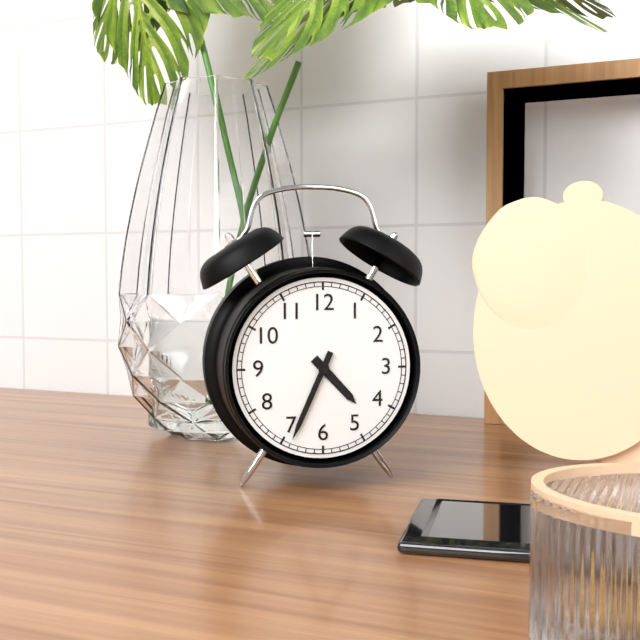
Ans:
4h34
